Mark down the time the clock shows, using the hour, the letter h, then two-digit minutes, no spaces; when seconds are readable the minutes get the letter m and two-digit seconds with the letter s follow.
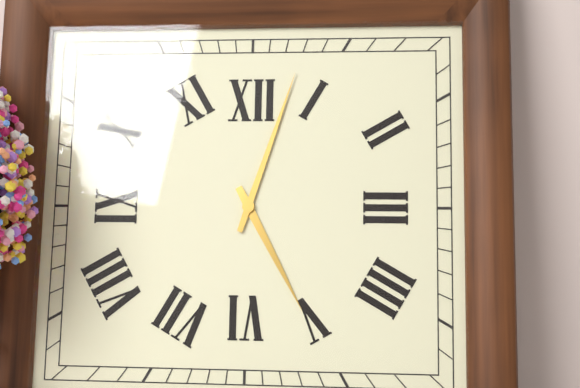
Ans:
5h03
